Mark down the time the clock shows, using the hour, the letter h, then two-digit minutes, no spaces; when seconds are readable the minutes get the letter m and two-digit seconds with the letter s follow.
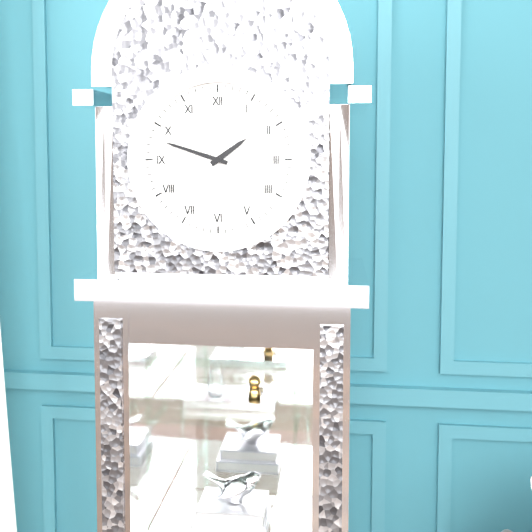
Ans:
1h48
